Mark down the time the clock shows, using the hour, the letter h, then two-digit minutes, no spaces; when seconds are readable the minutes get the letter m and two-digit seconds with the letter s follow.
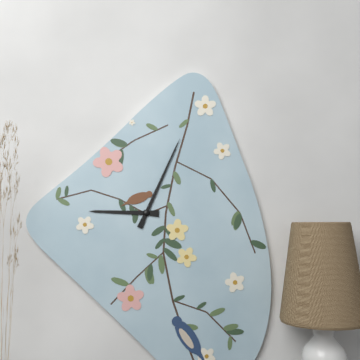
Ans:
9h04
